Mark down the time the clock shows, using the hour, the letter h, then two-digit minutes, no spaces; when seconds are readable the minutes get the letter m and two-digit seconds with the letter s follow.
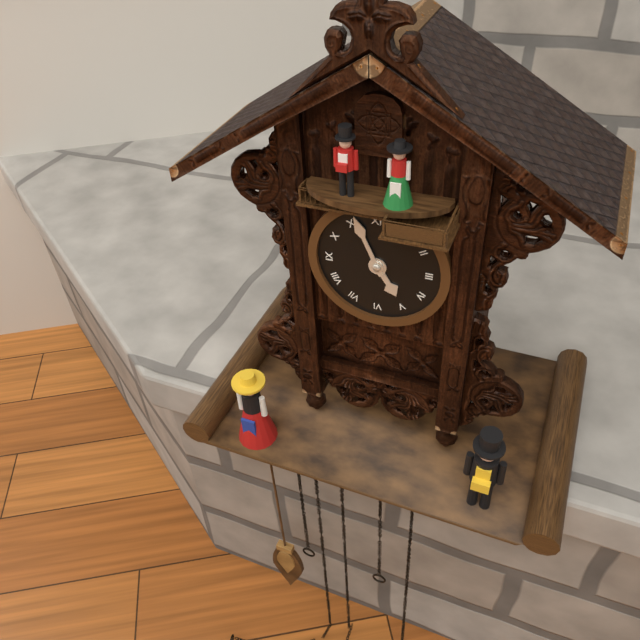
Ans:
4h56
